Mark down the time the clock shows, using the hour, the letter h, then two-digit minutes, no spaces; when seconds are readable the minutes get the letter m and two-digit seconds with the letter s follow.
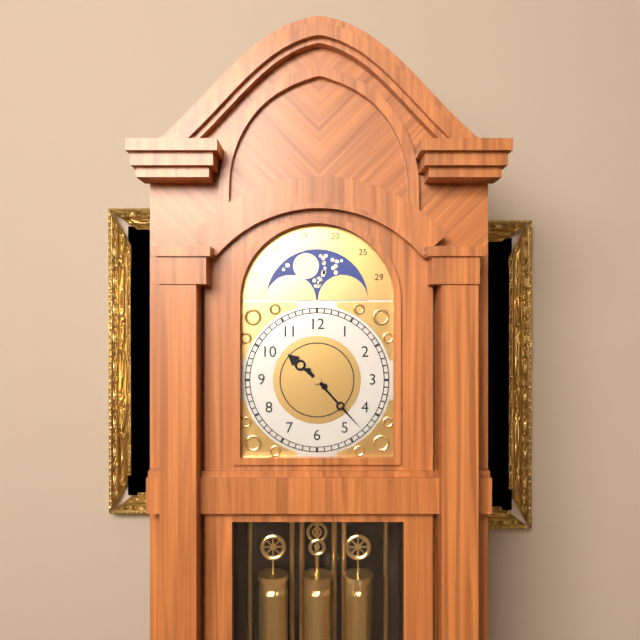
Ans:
10h23
